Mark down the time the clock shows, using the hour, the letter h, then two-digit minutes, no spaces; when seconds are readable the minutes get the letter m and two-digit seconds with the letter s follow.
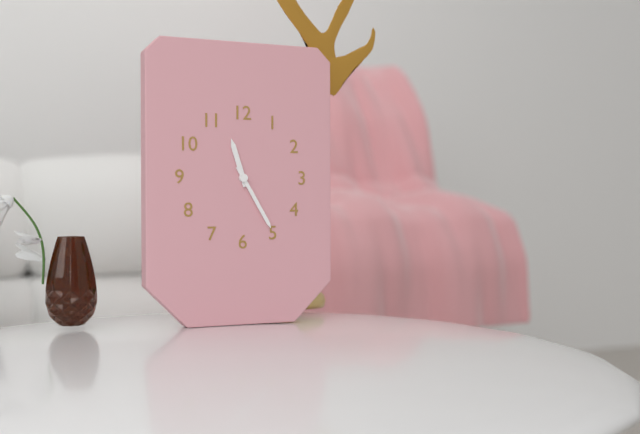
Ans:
11h25
